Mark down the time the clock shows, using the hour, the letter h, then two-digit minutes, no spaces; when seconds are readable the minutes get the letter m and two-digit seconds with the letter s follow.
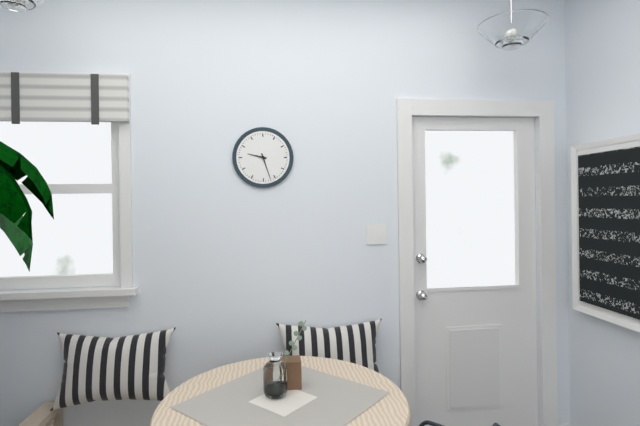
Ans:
9h27
